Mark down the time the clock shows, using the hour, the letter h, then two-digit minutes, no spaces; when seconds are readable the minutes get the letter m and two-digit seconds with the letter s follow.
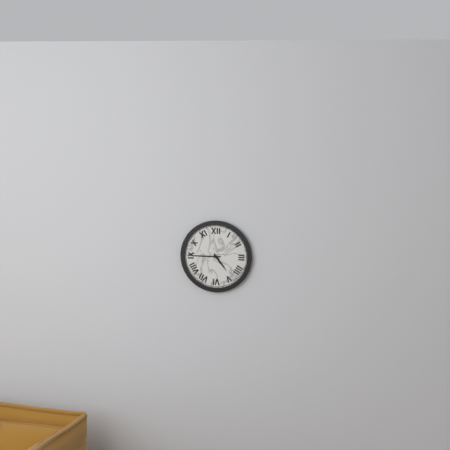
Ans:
4h45
